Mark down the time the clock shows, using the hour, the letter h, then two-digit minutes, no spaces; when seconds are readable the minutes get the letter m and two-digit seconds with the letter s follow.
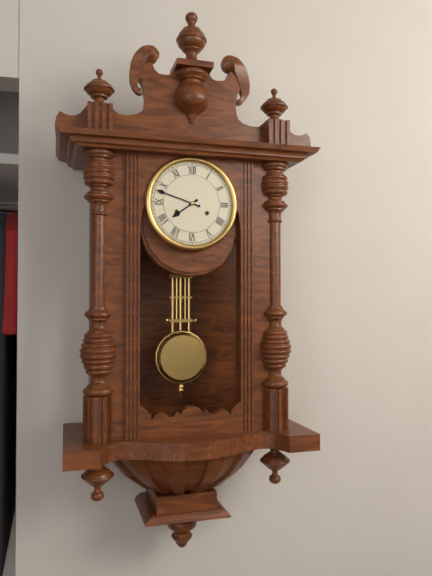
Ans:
7h48
